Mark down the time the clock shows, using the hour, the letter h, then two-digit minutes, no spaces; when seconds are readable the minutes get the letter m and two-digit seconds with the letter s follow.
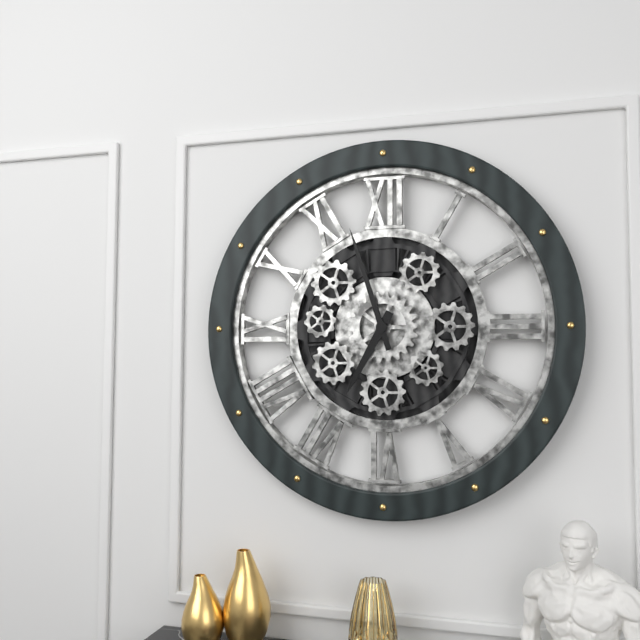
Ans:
6h57
